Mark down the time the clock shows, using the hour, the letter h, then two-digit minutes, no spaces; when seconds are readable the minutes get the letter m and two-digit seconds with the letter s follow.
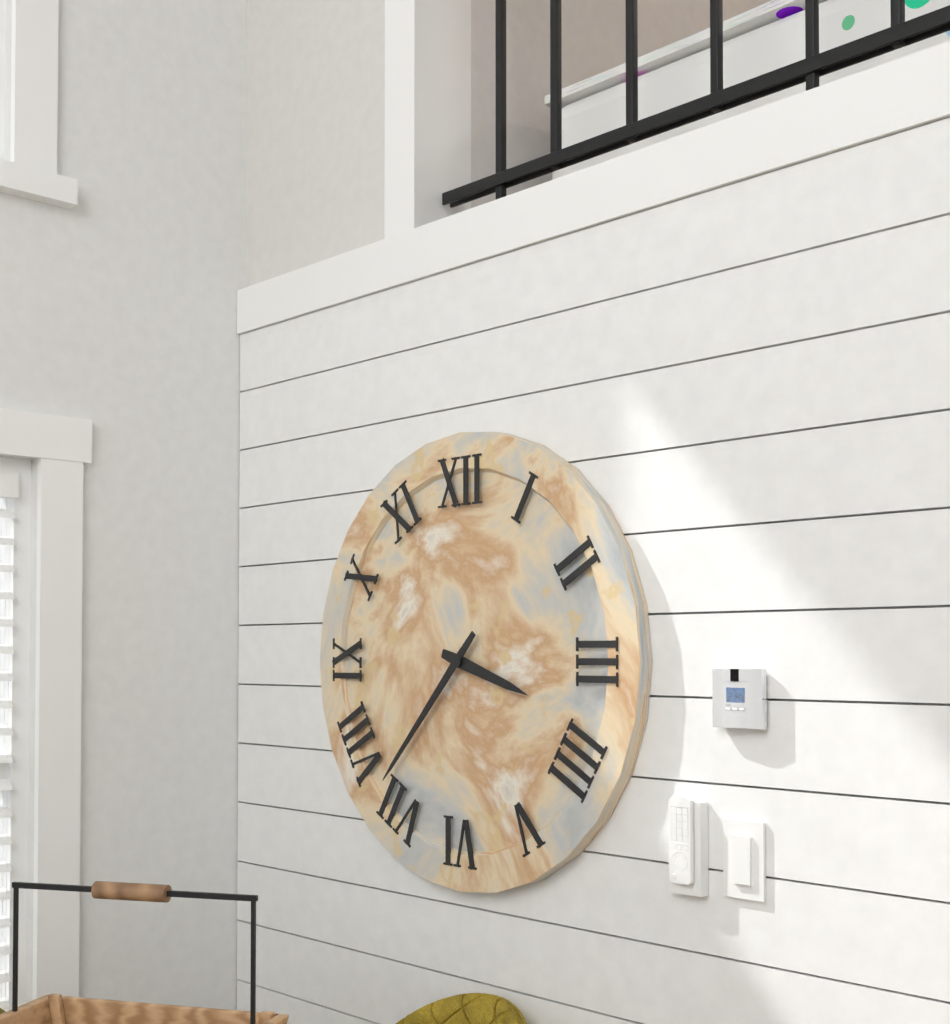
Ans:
3h37
